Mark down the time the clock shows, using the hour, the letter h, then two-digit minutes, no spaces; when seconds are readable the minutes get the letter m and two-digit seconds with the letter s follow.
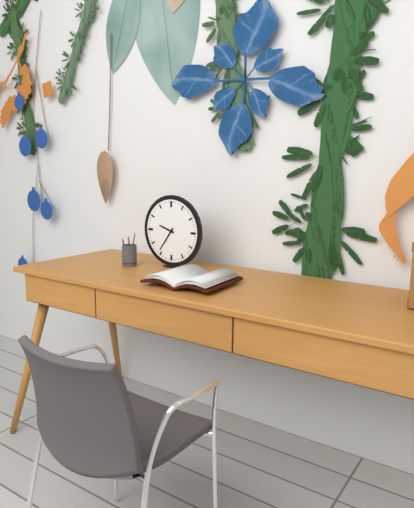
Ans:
9h36
